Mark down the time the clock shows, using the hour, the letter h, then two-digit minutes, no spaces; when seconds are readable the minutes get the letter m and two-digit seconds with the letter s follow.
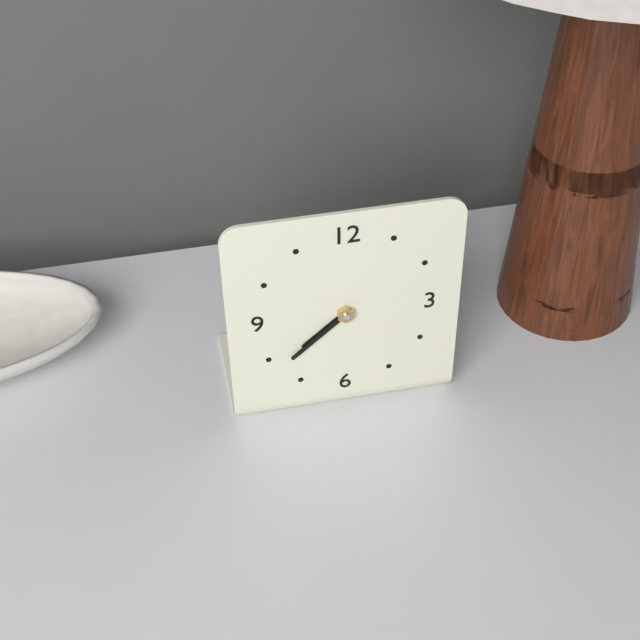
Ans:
7h38
